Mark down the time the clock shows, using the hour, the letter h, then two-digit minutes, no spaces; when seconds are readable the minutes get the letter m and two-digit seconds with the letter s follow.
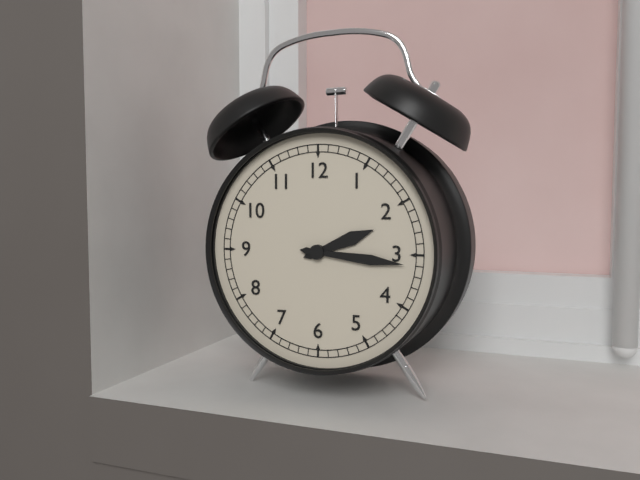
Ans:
2h16
